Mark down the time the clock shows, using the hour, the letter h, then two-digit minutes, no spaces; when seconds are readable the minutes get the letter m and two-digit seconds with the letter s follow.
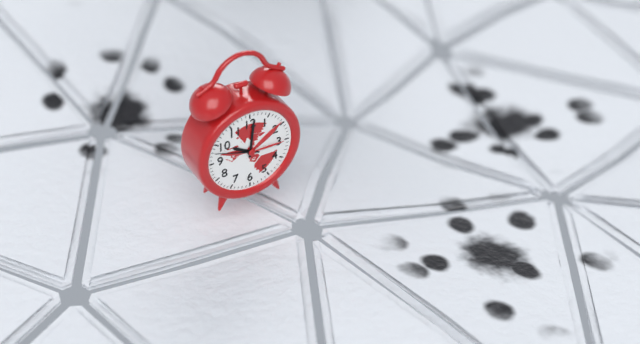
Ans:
10h01
